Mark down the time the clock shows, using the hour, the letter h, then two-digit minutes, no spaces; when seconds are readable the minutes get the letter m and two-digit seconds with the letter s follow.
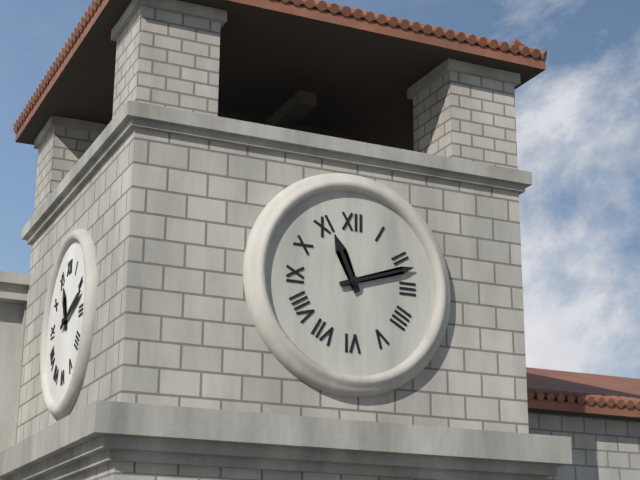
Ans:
11h12
